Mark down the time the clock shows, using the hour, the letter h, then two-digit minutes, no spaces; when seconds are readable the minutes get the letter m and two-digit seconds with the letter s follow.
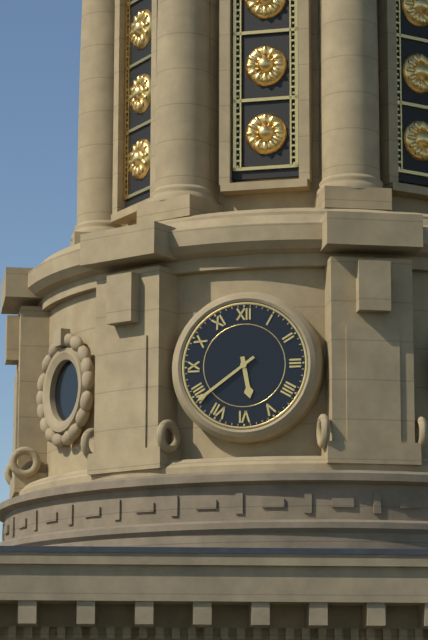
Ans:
5h39
